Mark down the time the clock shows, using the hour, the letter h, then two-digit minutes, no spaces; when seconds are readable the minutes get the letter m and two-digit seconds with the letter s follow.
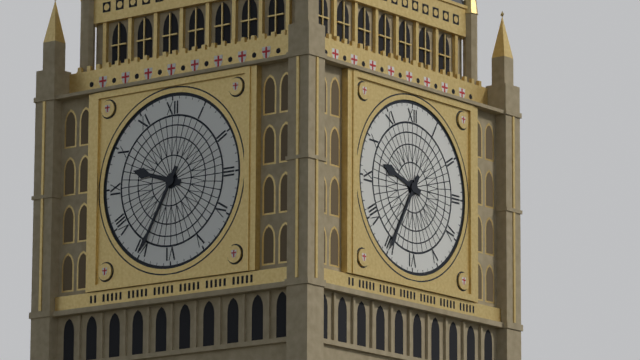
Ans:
9h35
